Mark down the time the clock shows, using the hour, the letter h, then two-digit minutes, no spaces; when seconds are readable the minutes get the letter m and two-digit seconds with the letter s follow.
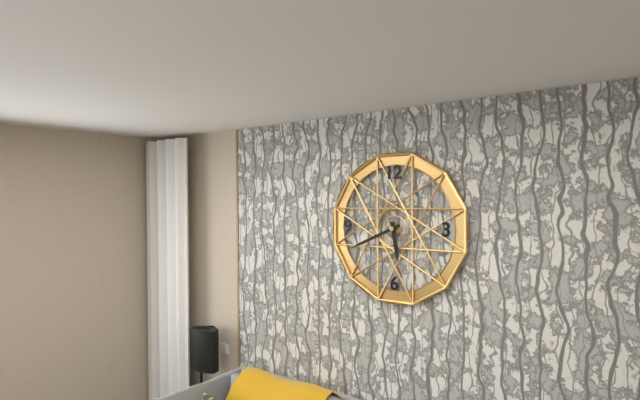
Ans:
5h41
